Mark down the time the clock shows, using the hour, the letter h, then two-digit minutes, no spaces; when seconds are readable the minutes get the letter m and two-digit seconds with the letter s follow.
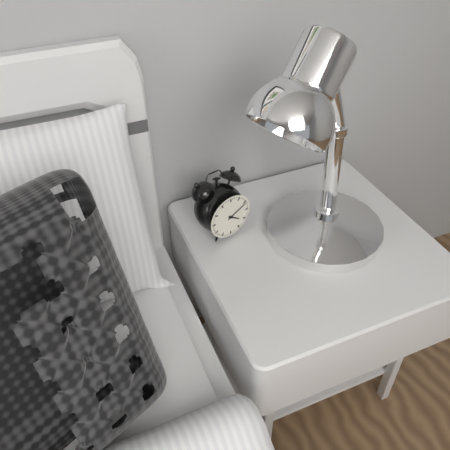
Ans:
4h11
